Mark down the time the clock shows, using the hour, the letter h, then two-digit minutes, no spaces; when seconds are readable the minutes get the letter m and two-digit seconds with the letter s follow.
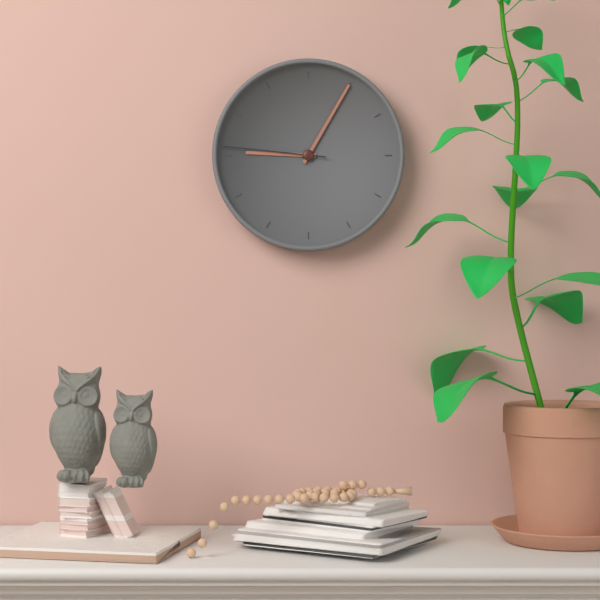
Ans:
9h05m46s
